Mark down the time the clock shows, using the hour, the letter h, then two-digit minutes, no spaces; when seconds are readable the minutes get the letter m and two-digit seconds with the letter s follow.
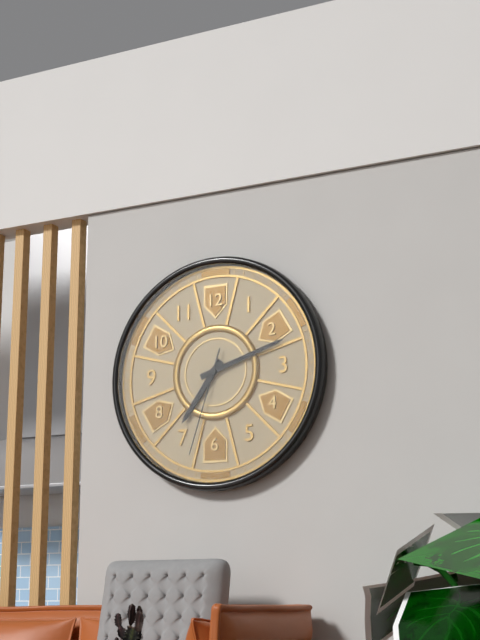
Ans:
7h12m33s
